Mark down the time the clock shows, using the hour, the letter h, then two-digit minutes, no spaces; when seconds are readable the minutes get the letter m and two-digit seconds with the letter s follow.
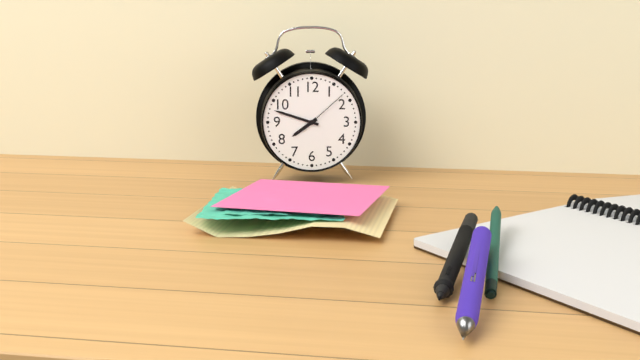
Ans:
7h48m08s
